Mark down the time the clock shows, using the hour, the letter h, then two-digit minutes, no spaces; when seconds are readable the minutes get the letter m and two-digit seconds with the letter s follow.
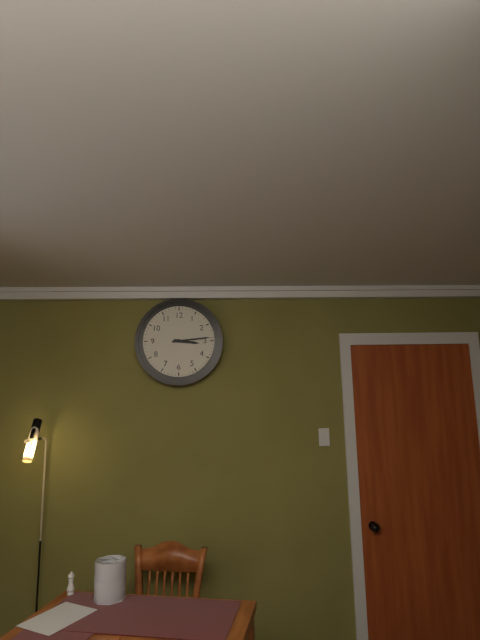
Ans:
3h14
